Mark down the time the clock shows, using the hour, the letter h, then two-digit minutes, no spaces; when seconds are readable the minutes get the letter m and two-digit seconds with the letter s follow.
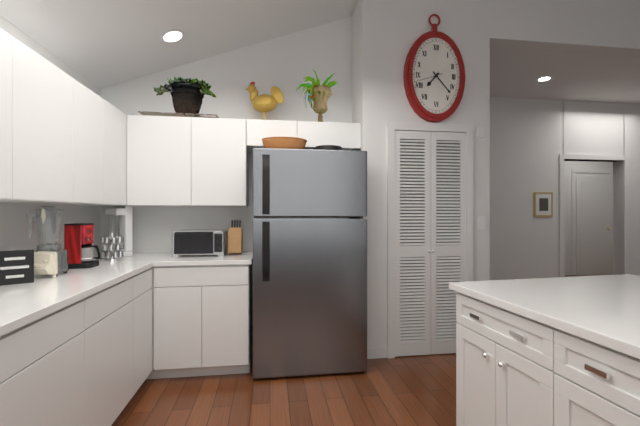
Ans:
7h23
